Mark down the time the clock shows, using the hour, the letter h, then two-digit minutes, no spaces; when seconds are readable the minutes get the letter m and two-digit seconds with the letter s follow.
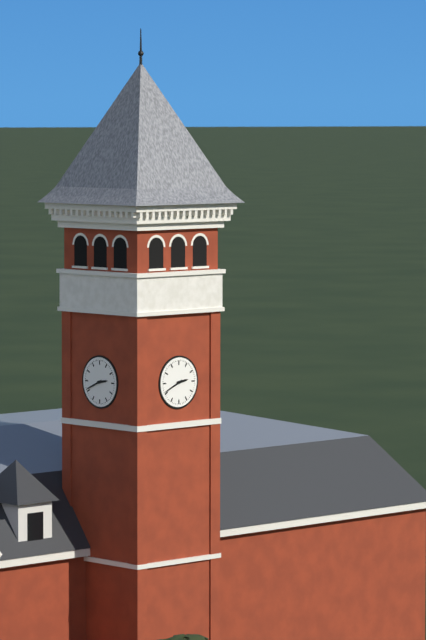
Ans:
2h41
